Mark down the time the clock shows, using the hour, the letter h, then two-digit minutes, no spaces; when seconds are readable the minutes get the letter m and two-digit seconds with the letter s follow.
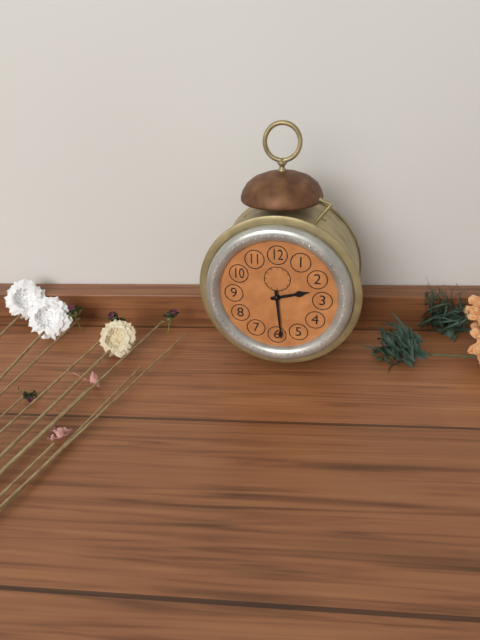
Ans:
2h29
